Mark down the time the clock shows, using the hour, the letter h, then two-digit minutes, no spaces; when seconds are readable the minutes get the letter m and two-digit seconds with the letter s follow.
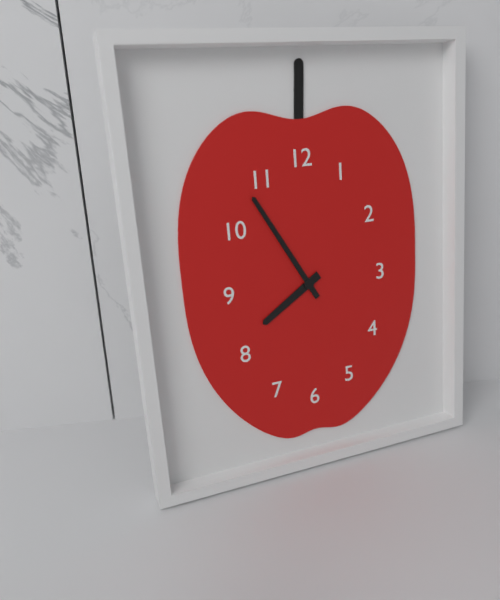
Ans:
7h55
